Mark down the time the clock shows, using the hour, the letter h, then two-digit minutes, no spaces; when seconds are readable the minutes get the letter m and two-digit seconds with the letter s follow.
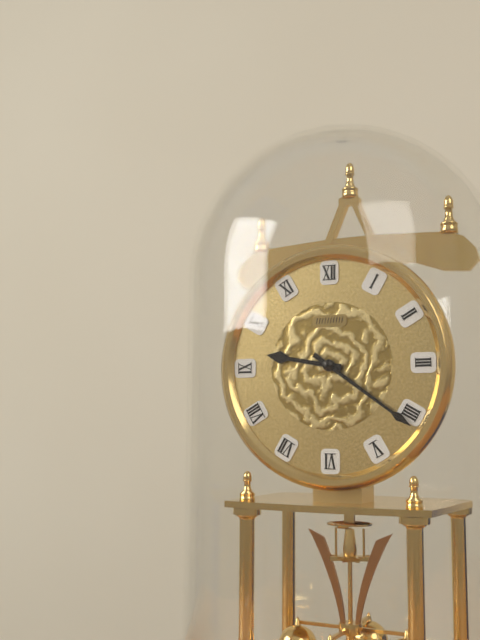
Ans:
9h21
